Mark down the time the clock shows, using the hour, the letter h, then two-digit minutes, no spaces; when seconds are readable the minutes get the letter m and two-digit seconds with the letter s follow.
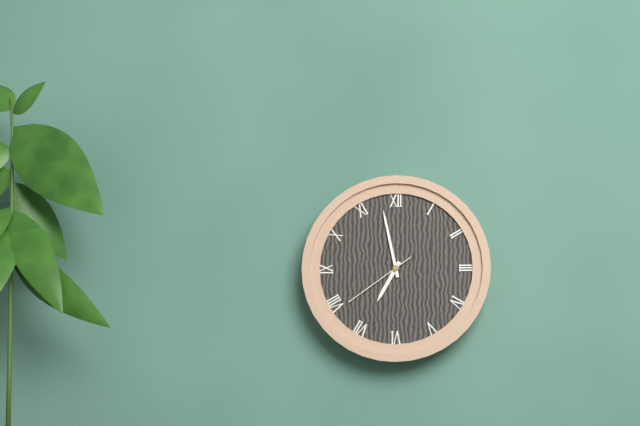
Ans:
6h58m39s
